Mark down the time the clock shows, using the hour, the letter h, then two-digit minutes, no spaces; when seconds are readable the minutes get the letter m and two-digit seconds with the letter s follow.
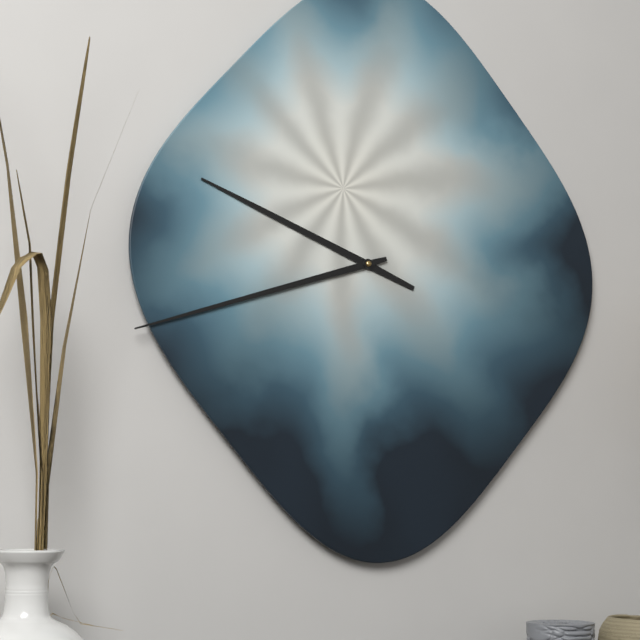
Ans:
9h42
